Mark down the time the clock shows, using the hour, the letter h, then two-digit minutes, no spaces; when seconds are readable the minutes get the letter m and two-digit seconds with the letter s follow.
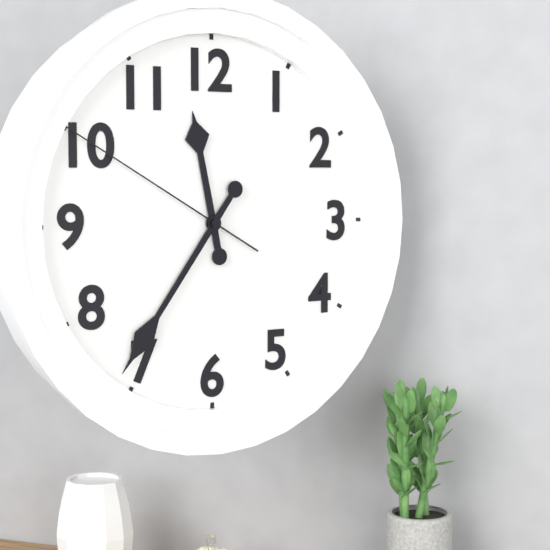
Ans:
11h36m50s
